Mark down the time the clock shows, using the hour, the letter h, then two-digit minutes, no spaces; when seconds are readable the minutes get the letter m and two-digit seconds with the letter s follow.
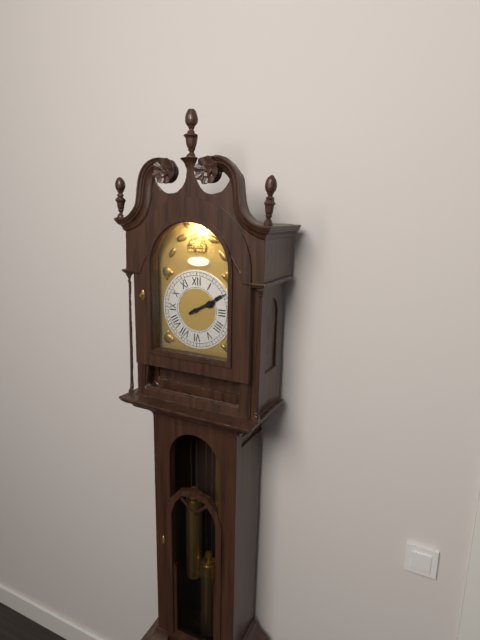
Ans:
2h10
